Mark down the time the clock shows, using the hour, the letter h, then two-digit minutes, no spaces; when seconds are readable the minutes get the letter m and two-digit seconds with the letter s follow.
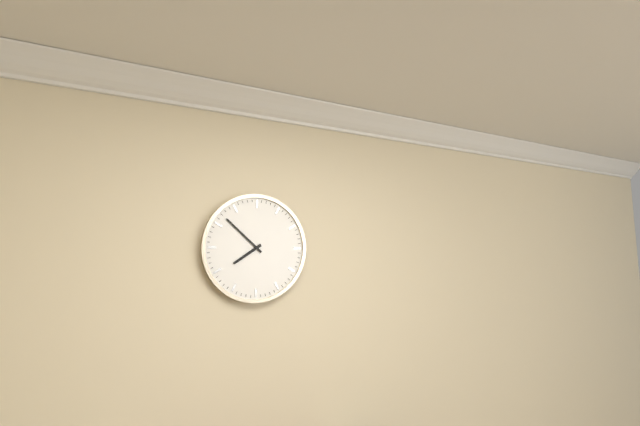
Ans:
7h52
